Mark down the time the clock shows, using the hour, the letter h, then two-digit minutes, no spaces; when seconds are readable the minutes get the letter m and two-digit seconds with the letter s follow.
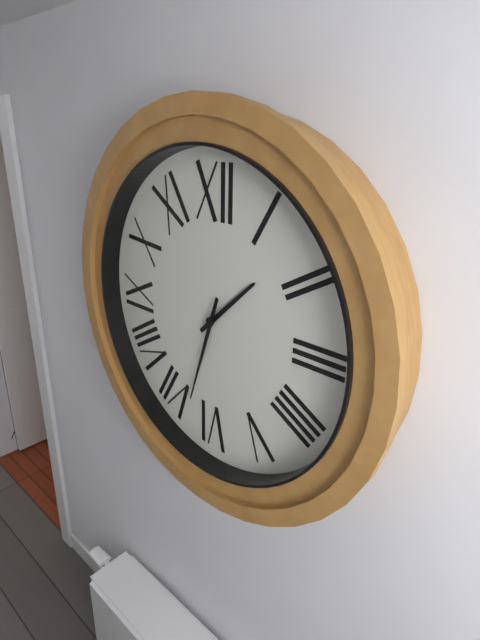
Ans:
1h33
